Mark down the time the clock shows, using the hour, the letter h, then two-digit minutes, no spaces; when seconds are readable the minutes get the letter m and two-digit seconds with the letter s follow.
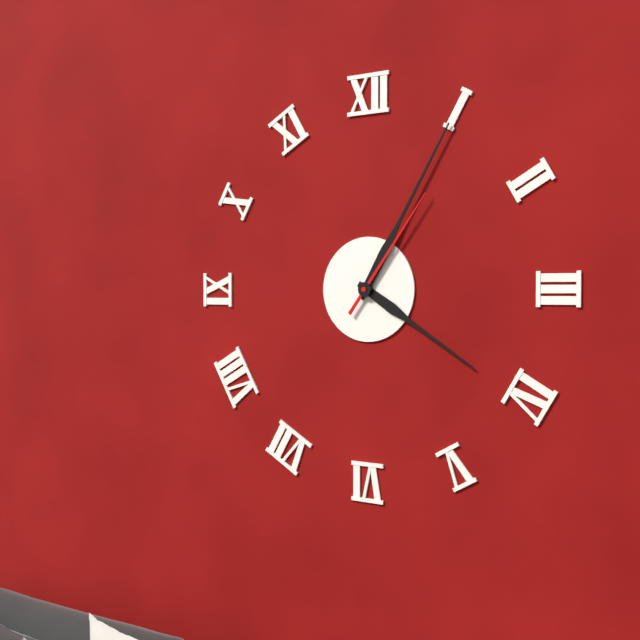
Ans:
4h05m06s
